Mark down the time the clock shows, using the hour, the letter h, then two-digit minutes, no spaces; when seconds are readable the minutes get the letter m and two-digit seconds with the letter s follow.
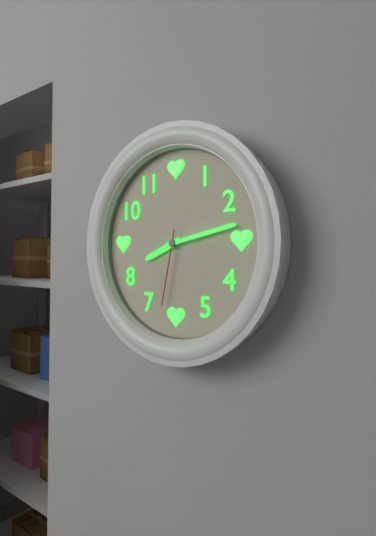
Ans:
8h13m32s
